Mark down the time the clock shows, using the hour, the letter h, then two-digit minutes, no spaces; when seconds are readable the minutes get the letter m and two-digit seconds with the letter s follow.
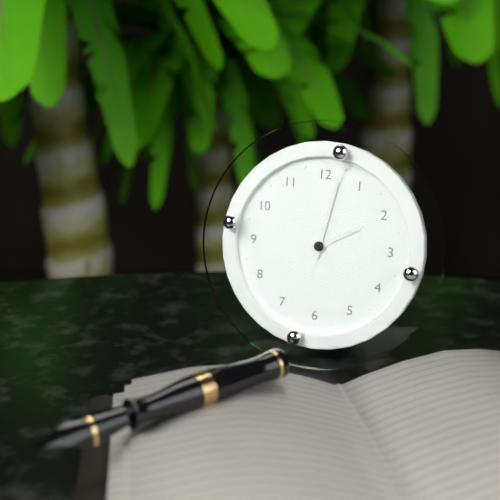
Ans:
2h02
